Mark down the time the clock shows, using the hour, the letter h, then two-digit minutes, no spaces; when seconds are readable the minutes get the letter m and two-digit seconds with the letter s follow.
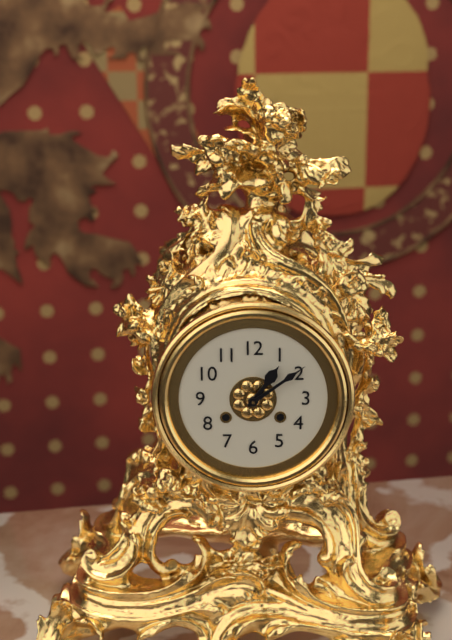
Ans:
1h09
